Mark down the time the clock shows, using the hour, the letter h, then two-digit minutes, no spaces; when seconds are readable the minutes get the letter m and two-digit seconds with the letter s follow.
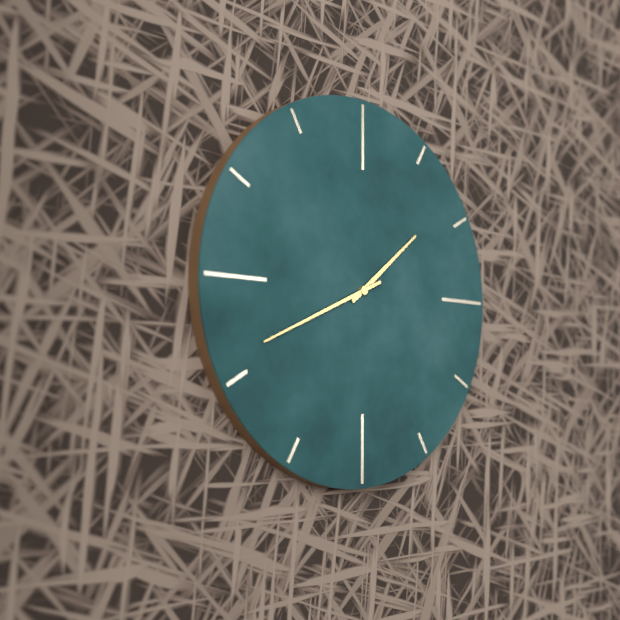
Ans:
1h41
